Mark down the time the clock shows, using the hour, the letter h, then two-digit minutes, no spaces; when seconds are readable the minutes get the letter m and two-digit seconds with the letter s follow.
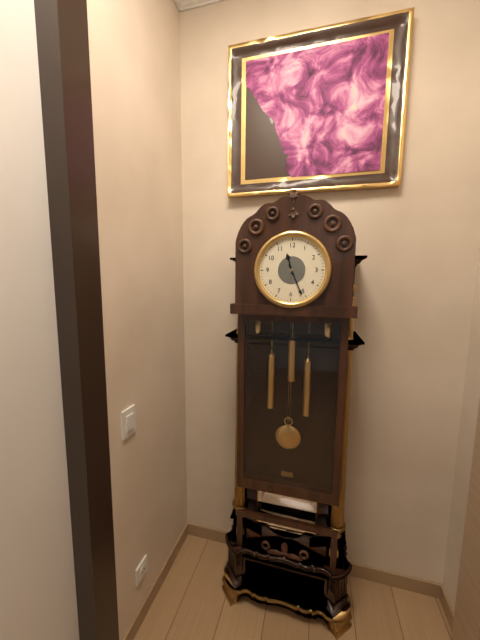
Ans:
11h26
